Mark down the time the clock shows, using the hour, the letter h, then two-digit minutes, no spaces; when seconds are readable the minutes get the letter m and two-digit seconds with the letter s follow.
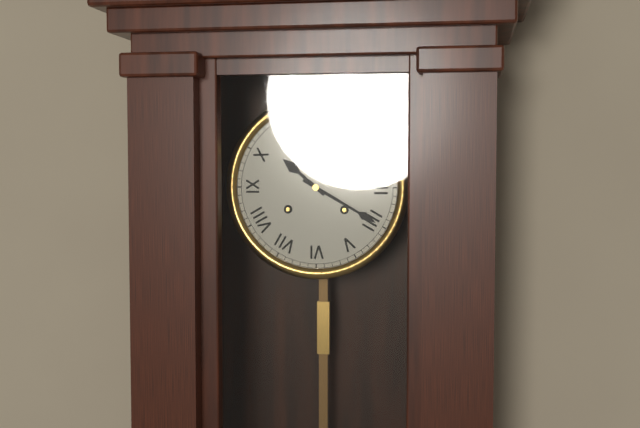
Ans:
10h20
